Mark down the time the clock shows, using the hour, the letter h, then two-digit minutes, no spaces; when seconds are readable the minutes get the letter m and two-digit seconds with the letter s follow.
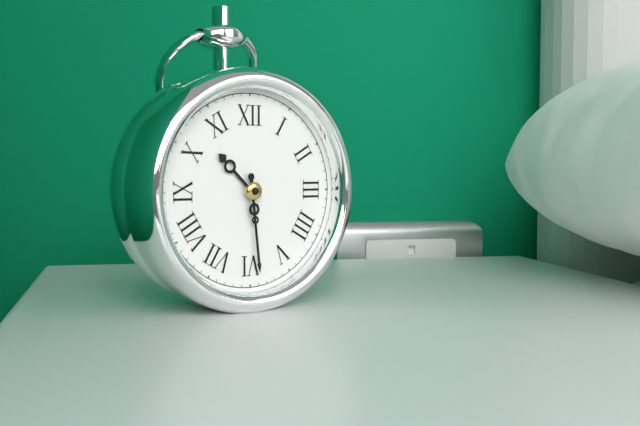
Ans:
10h29
